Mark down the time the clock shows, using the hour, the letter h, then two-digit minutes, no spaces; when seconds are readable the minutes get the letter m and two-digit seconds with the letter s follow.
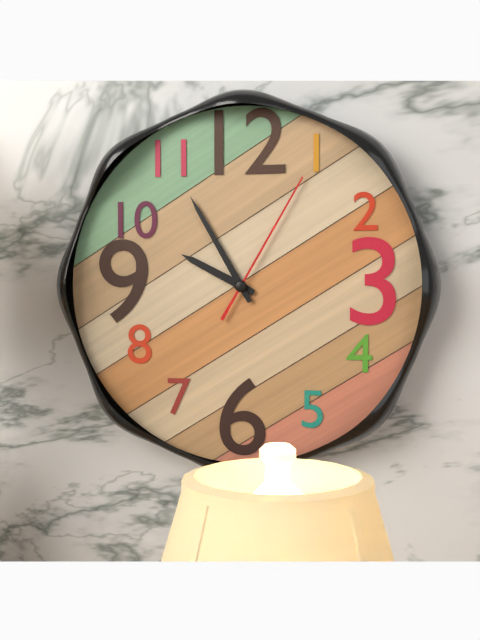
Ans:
9h55m05s
